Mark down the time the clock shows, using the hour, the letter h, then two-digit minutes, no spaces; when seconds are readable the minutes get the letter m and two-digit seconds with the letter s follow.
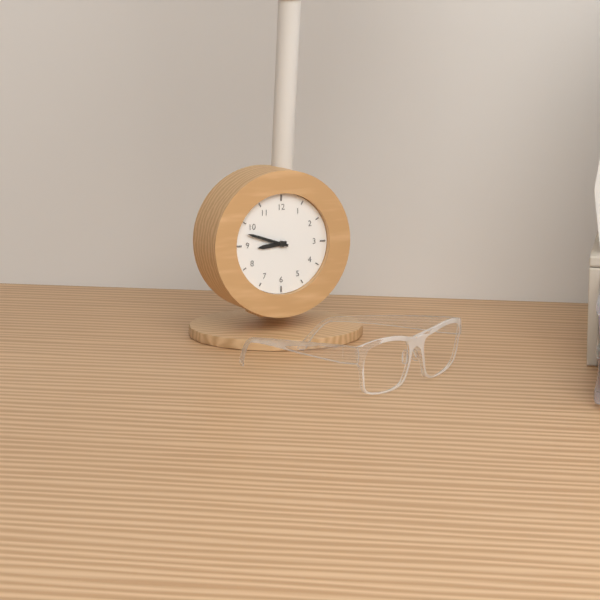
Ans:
8h48
